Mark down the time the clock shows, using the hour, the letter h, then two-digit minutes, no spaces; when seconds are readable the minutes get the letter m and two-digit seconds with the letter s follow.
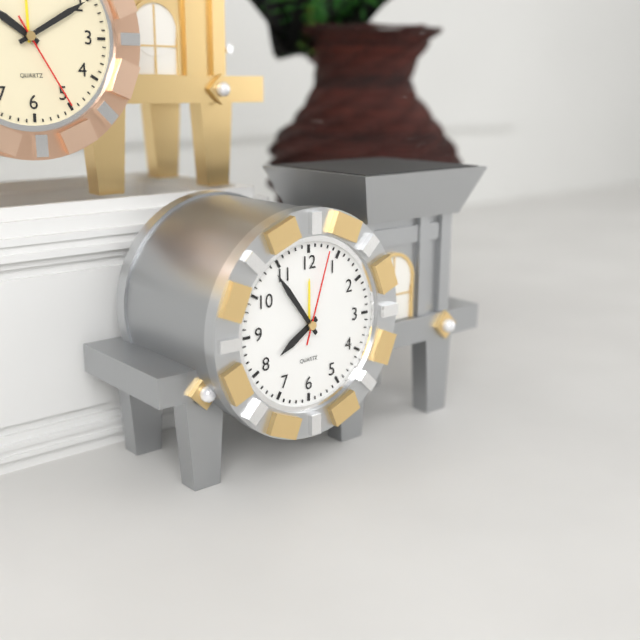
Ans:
7h54m03s
